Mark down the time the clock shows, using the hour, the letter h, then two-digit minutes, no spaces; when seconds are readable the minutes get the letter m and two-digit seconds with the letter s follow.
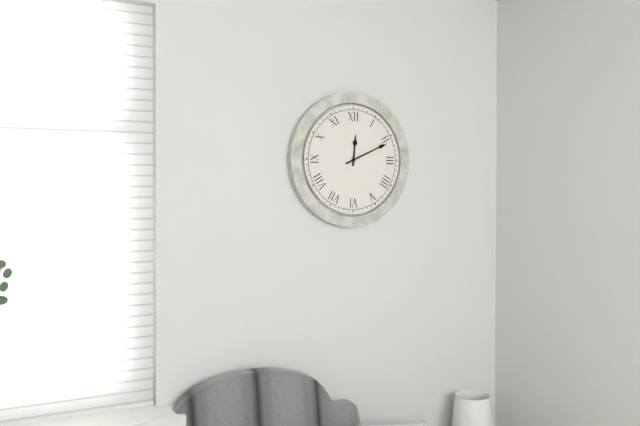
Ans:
12h11
